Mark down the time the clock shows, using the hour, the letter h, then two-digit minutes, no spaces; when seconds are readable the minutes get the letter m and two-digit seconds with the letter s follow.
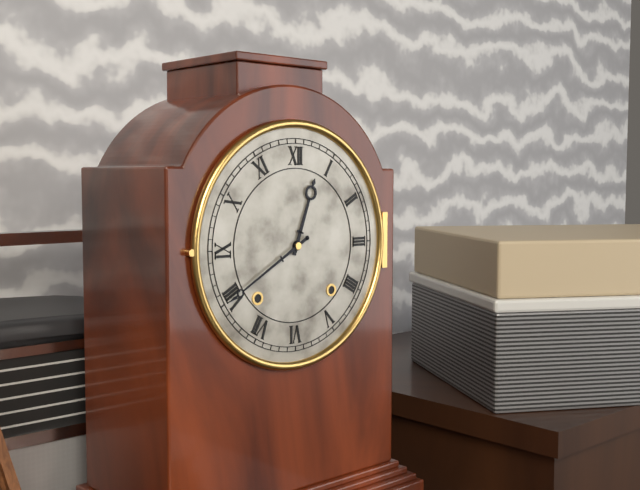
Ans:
12h40
